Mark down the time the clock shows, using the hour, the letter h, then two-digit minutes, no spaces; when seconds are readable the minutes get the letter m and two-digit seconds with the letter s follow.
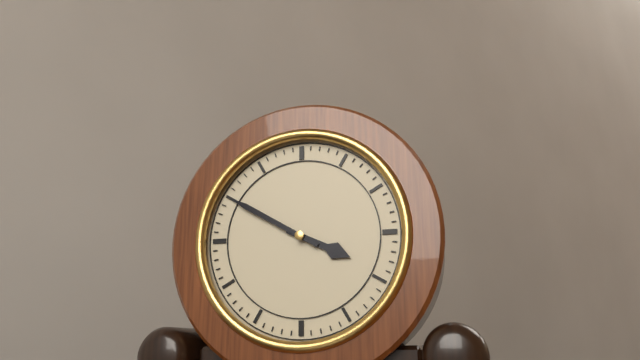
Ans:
3h50
